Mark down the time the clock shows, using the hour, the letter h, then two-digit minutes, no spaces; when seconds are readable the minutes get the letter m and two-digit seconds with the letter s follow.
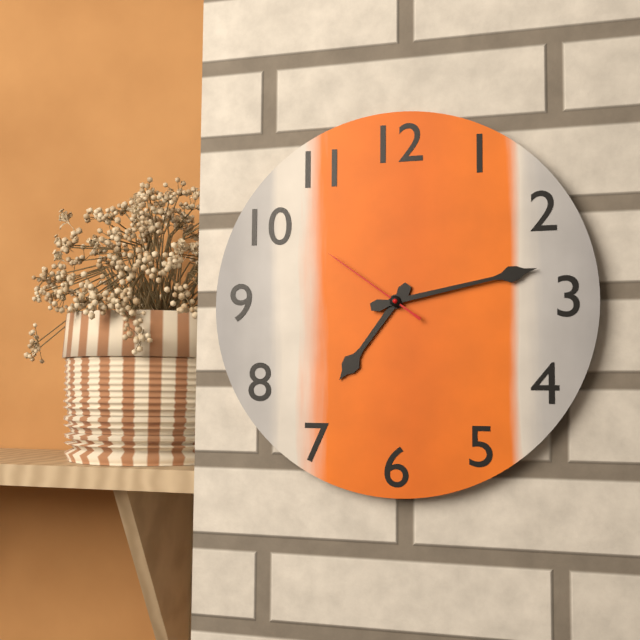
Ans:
7h13m51s
